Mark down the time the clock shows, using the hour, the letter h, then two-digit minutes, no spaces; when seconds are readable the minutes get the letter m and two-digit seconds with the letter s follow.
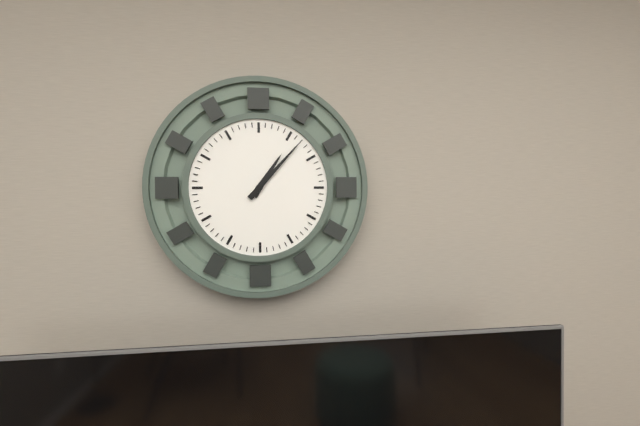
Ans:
1h07
